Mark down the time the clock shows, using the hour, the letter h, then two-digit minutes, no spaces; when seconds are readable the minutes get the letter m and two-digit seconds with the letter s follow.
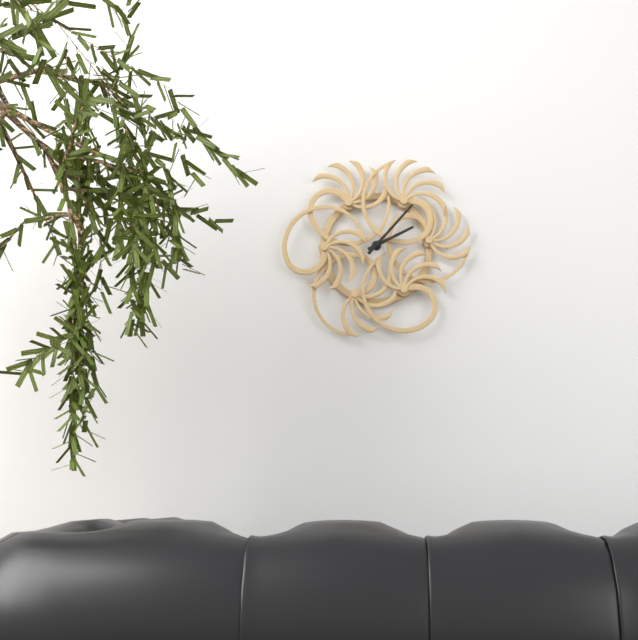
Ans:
2h07
